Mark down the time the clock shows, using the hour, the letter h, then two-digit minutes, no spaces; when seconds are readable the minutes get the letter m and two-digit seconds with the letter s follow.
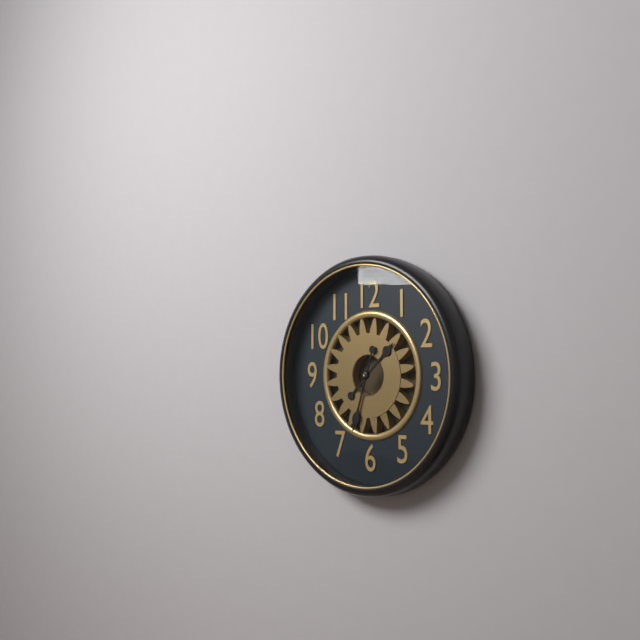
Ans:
1h33
